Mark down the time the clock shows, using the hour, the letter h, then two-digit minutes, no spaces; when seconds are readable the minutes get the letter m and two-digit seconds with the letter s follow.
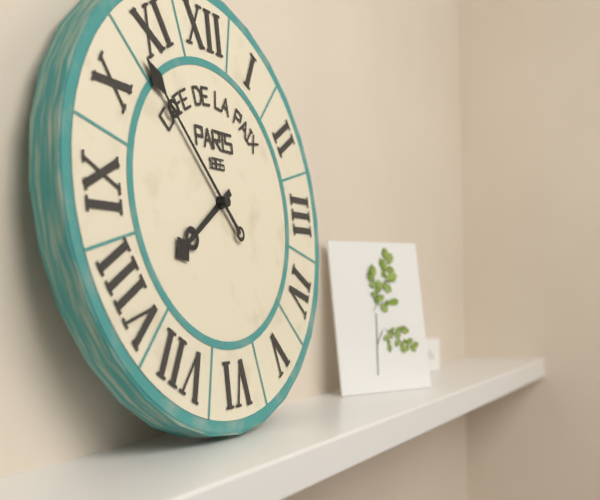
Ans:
7h53
